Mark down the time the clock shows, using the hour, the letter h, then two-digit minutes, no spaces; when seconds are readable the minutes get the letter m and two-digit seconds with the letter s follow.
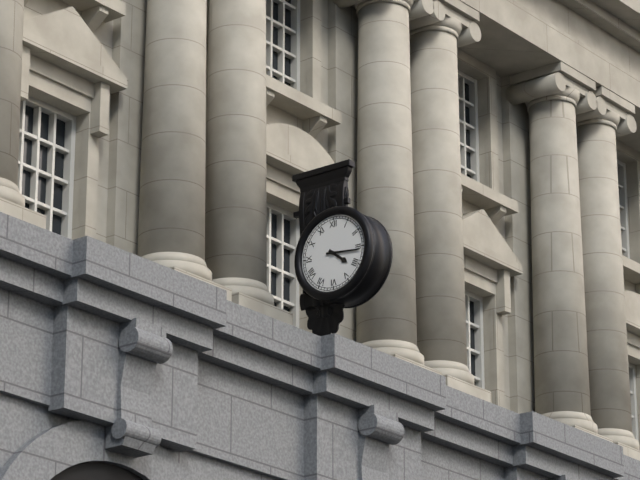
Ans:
4h16
